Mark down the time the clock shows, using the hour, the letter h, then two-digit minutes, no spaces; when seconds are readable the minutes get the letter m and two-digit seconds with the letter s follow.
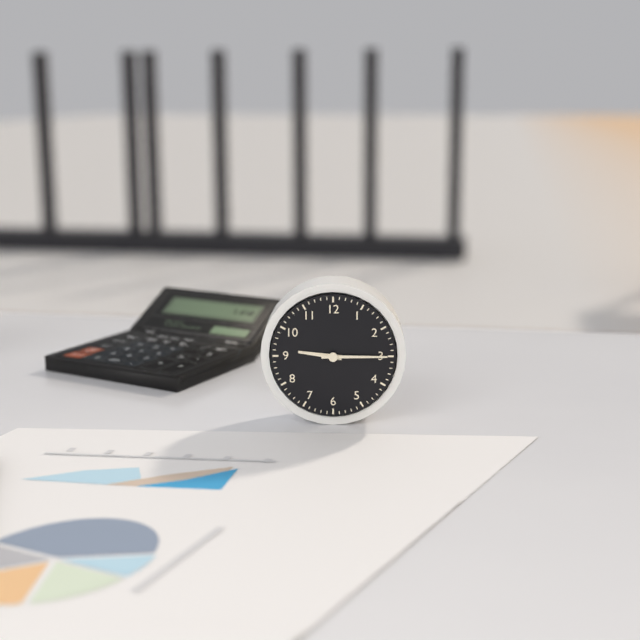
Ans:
9h15
